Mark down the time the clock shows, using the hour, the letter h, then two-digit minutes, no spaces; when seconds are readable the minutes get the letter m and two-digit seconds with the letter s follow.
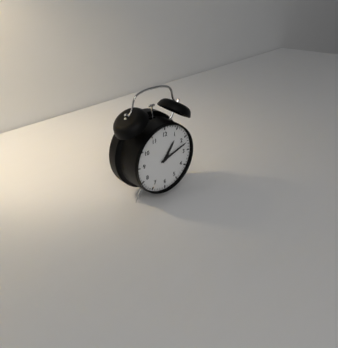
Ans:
1h12
